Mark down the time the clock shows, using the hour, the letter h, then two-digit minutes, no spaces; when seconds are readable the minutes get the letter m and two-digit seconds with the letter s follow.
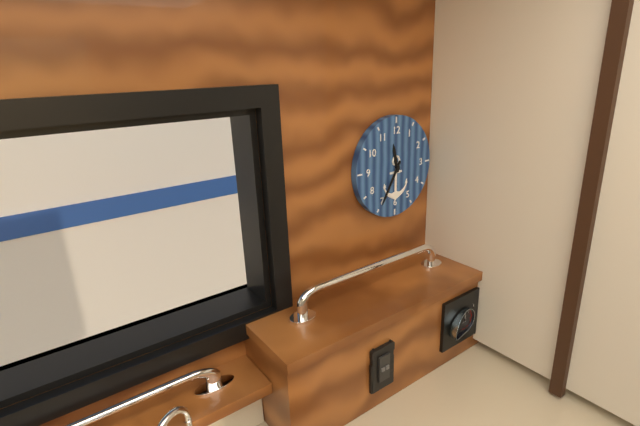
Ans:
11h35
